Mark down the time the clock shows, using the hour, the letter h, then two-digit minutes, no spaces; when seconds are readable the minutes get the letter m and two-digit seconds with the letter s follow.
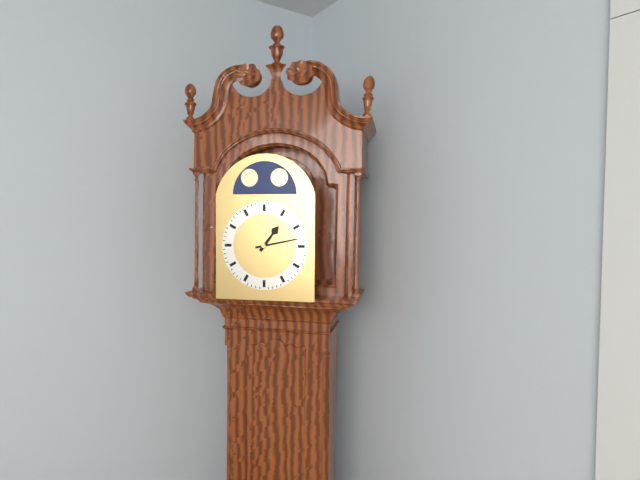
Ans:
1h13
